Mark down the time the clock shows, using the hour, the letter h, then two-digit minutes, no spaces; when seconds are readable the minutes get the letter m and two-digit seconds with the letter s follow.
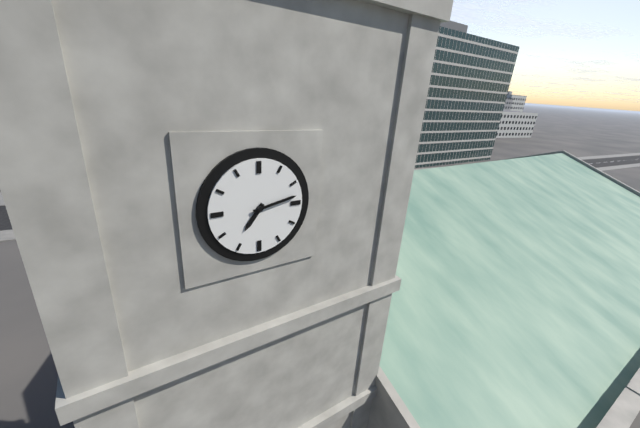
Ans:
7h13
